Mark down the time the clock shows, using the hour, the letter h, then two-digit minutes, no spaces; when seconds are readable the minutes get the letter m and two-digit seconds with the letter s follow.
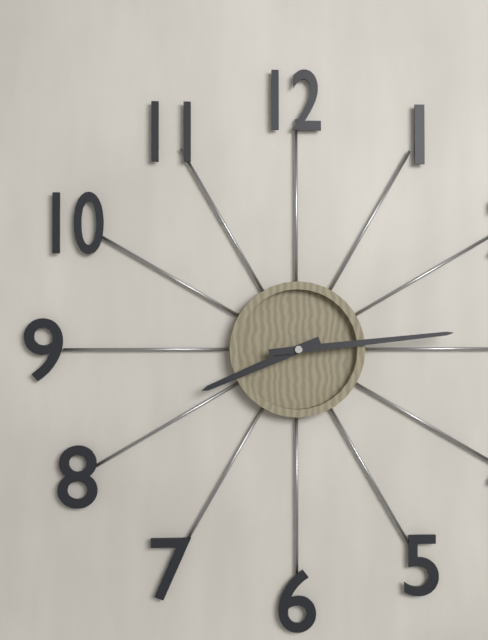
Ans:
8h14
